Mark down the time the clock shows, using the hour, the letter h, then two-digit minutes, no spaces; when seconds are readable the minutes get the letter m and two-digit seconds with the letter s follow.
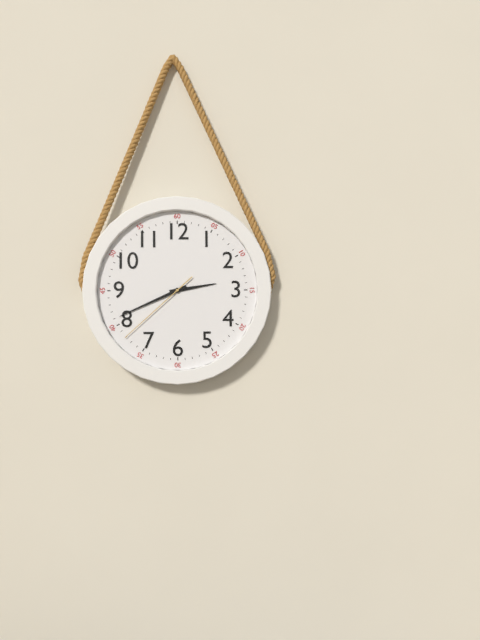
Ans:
2h41m38s
